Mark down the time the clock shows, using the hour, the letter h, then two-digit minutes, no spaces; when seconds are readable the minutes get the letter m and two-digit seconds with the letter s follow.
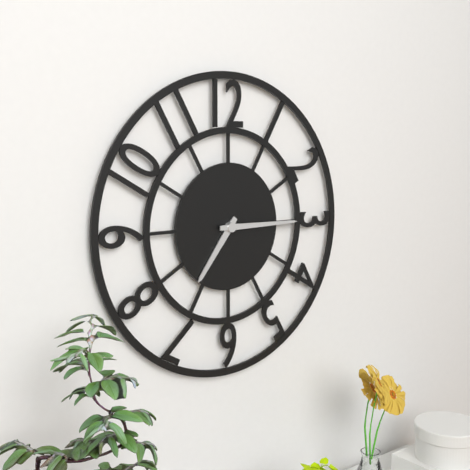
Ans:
7h15
